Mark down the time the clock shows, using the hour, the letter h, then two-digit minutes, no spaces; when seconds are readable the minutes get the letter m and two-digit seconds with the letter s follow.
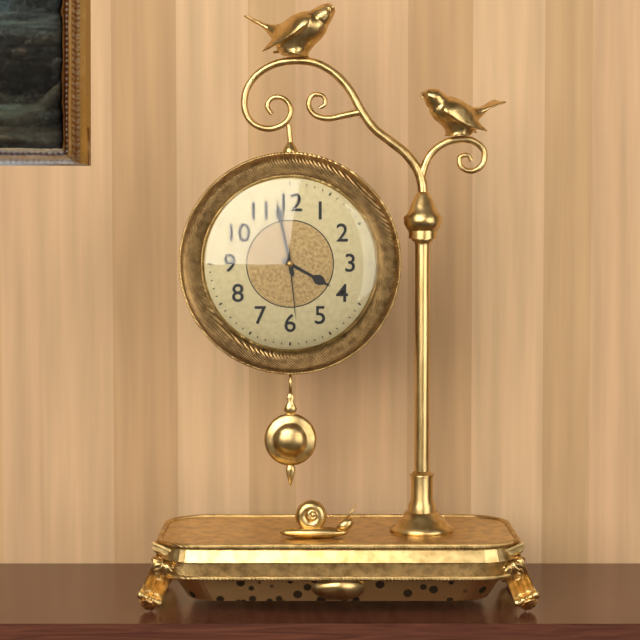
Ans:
3h58m29s
